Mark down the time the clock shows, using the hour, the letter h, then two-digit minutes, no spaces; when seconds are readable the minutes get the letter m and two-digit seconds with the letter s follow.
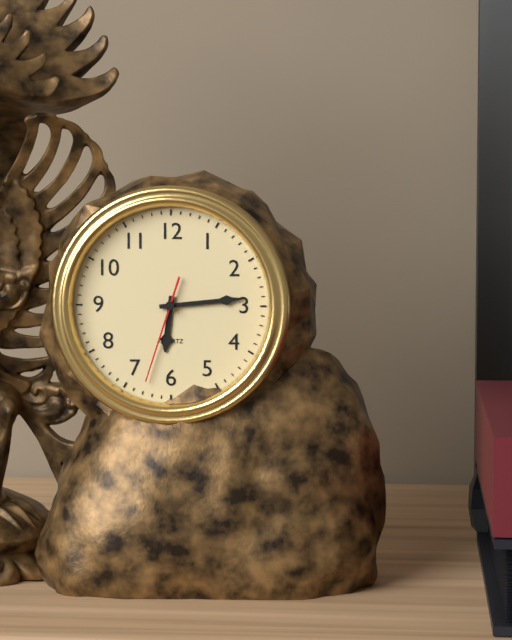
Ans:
6h14m33s
